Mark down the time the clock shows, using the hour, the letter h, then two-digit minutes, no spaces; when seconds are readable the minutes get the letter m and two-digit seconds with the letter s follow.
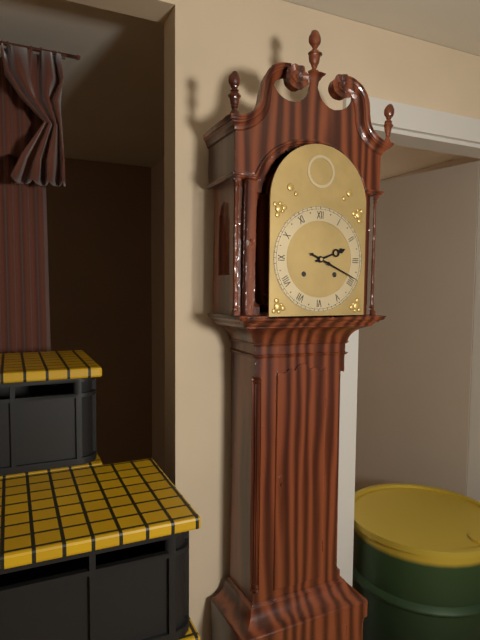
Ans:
2h19
